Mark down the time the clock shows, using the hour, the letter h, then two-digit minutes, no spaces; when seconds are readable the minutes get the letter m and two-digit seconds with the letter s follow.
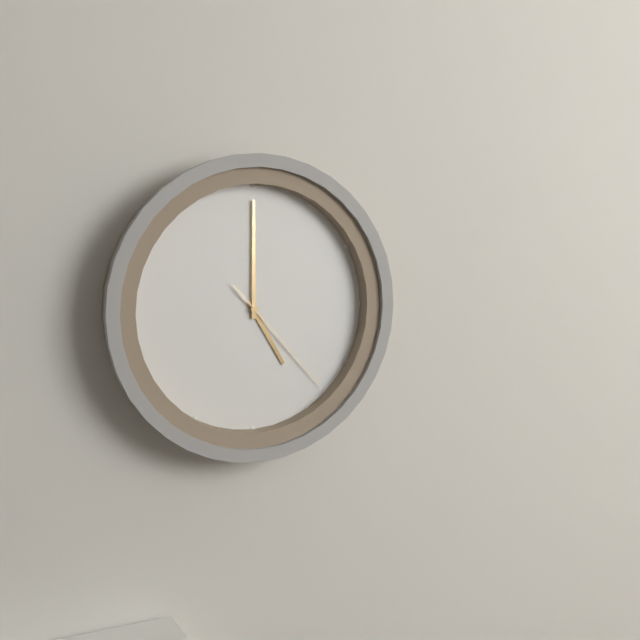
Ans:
5h00m23s
